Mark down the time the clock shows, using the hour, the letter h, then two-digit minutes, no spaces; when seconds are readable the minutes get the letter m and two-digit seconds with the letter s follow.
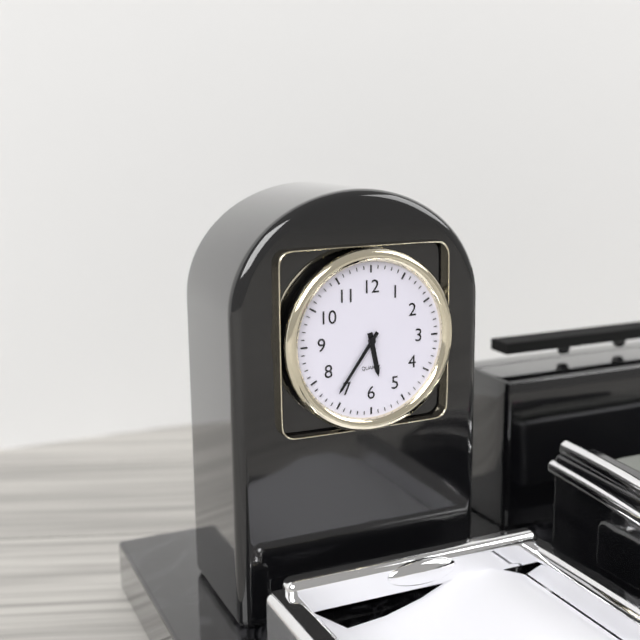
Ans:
5h36
